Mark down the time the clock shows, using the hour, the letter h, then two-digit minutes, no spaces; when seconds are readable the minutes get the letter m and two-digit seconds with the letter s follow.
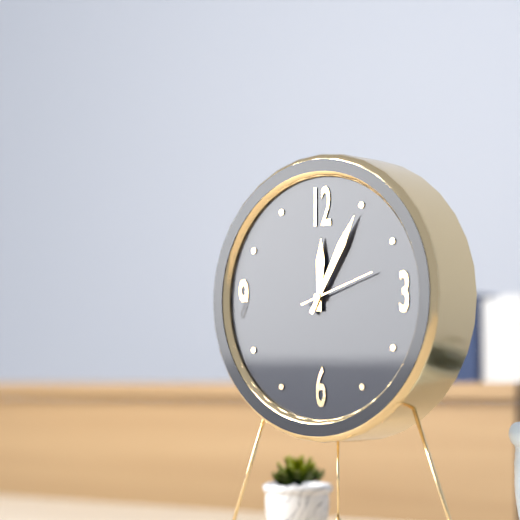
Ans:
12h05m12s
